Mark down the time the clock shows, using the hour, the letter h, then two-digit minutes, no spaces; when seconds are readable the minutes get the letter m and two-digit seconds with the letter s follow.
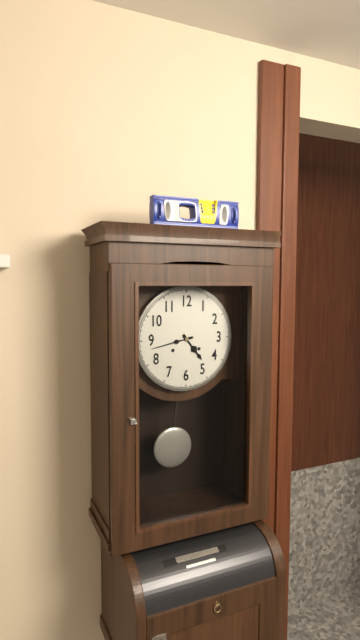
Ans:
4h43
